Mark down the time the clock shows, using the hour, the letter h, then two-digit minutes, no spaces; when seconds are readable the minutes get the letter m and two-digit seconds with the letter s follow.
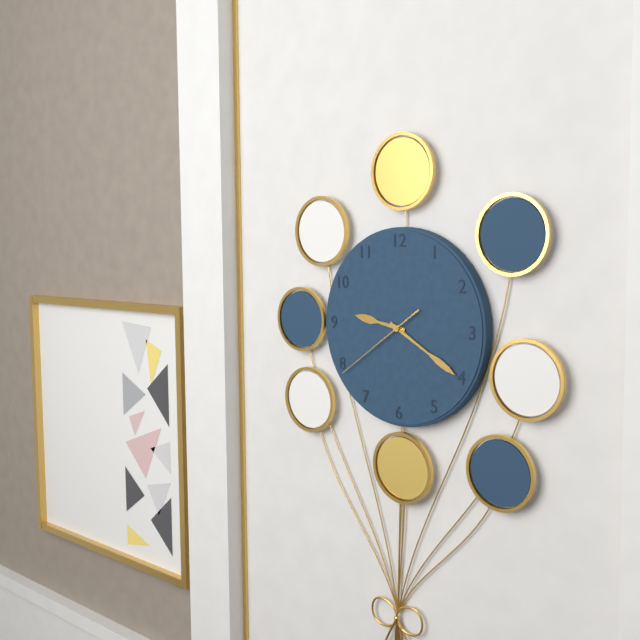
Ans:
9h20m39s
